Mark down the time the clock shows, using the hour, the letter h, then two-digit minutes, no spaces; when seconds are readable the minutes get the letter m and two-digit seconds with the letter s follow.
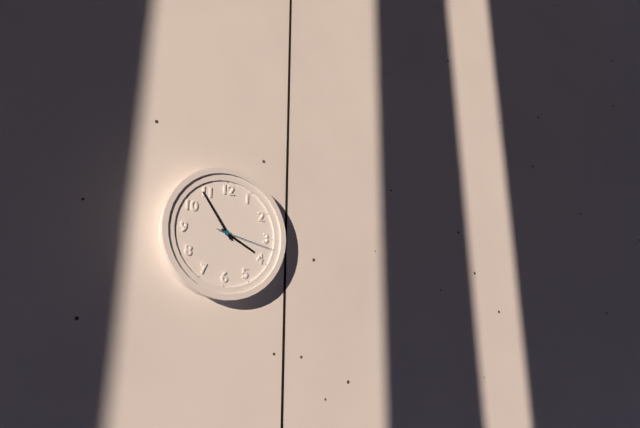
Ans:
3h54m17s
